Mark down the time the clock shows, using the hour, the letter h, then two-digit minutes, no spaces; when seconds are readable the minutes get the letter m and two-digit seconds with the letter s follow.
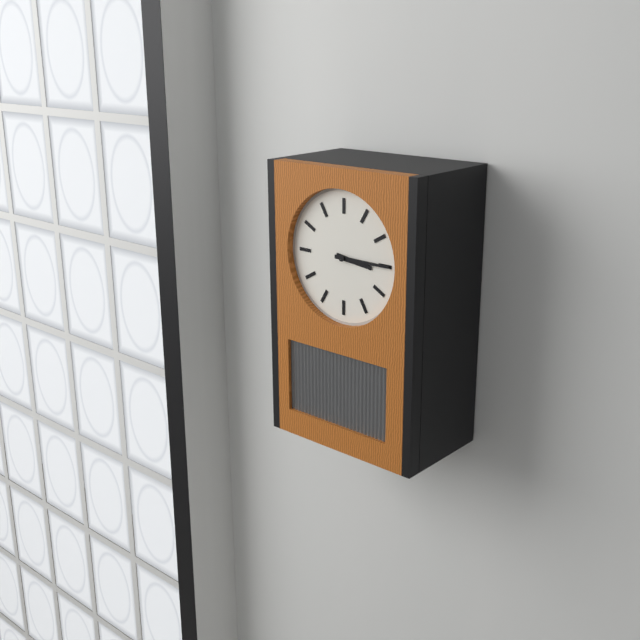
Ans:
3h15
